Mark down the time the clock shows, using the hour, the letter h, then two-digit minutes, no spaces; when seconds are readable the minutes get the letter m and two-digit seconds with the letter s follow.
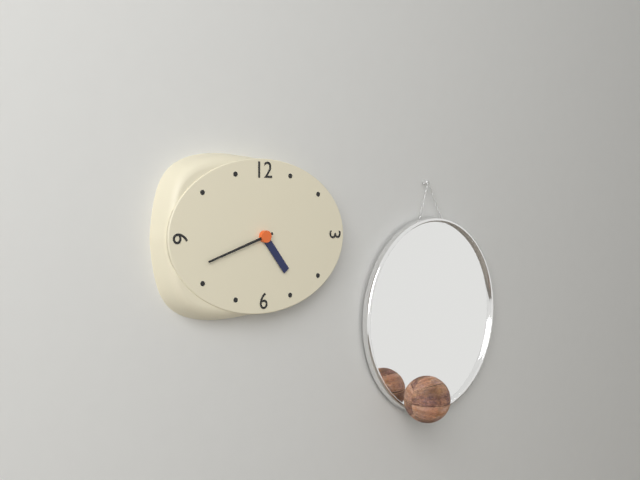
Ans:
4h42
